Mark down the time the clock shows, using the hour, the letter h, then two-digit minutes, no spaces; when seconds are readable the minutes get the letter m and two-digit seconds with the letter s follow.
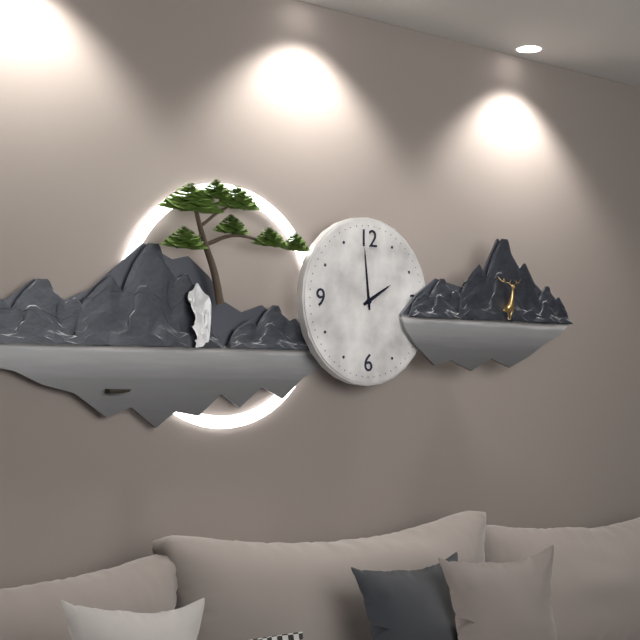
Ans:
1h59
